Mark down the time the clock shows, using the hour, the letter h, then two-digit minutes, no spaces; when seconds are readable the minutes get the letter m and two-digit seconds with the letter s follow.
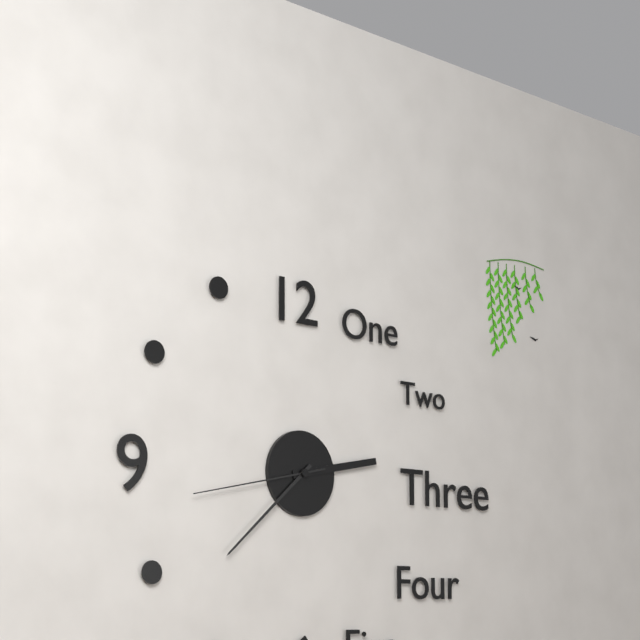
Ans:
2h38m43s
